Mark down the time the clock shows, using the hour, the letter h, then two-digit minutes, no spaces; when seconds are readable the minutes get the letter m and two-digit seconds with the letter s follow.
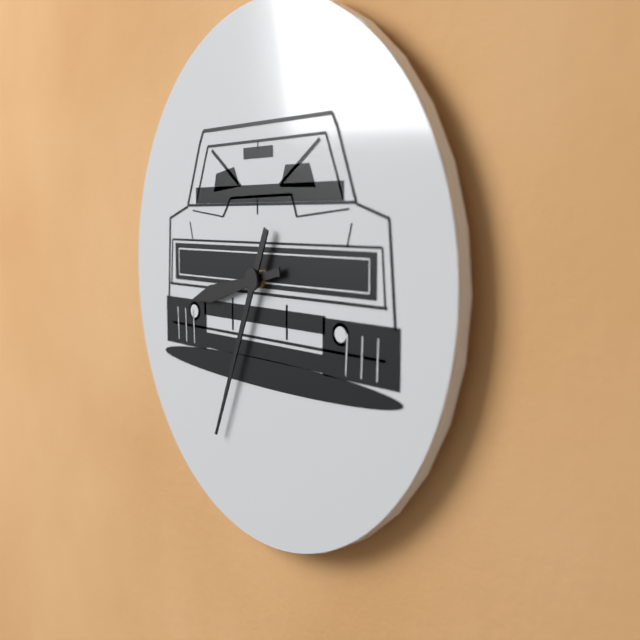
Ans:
8h34
